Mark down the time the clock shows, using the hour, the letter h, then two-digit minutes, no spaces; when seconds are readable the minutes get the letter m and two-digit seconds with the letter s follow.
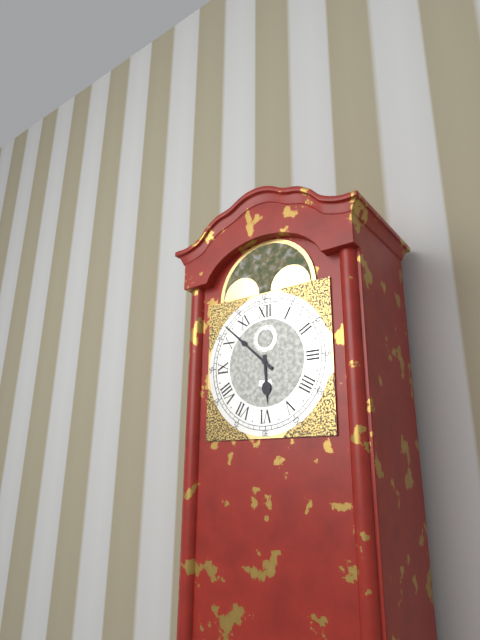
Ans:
5h52
